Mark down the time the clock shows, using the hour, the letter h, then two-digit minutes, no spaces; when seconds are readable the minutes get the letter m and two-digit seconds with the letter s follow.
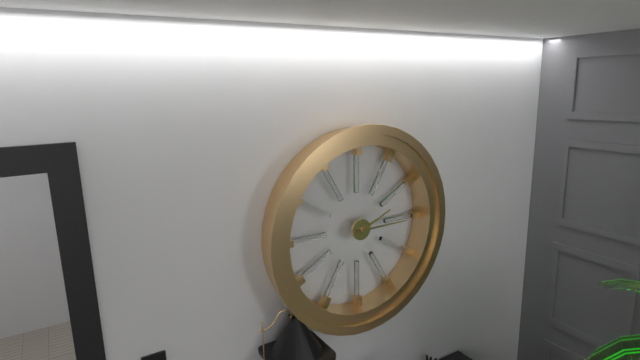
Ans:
2h15
